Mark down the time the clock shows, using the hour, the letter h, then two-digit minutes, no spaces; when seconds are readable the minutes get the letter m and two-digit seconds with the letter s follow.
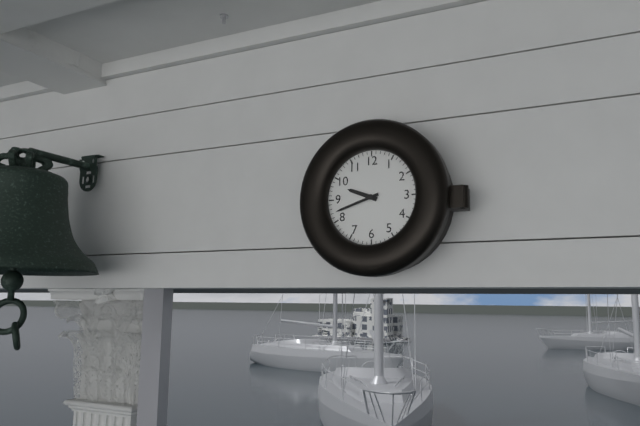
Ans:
9h42
